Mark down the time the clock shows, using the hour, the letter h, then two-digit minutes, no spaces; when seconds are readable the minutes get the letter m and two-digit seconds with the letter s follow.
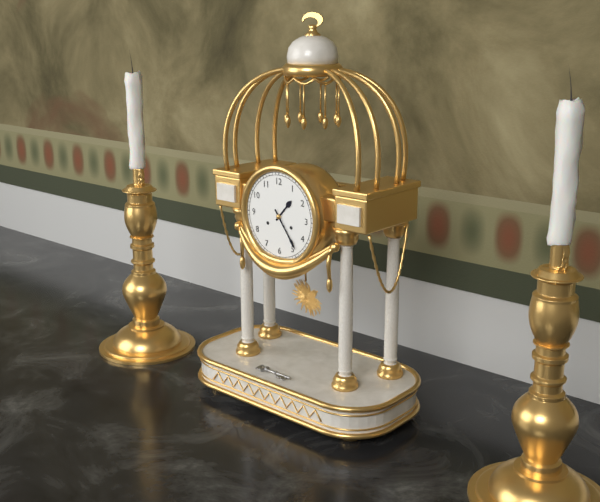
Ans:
1h24
